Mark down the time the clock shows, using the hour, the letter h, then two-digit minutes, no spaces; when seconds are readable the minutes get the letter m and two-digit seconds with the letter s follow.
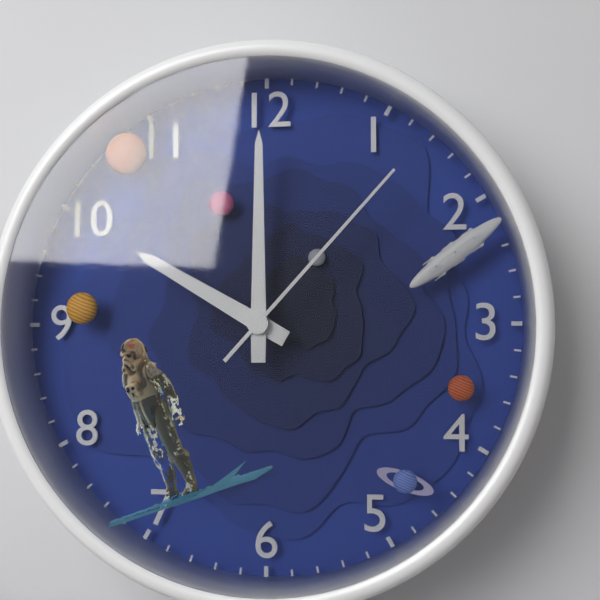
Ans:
10h00m07s
